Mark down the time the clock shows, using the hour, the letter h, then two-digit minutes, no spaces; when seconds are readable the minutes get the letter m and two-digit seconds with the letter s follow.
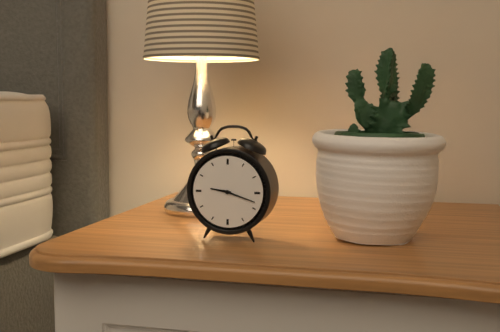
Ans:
9h18
